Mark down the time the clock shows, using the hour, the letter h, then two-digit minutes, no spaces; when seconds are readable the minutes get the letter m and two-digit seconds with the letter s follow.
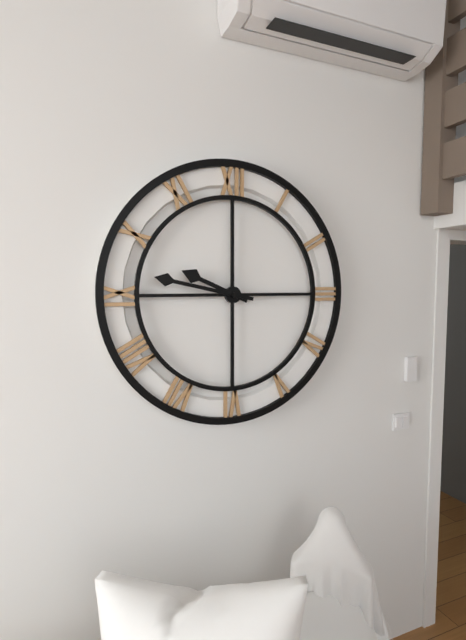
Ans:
9h47
